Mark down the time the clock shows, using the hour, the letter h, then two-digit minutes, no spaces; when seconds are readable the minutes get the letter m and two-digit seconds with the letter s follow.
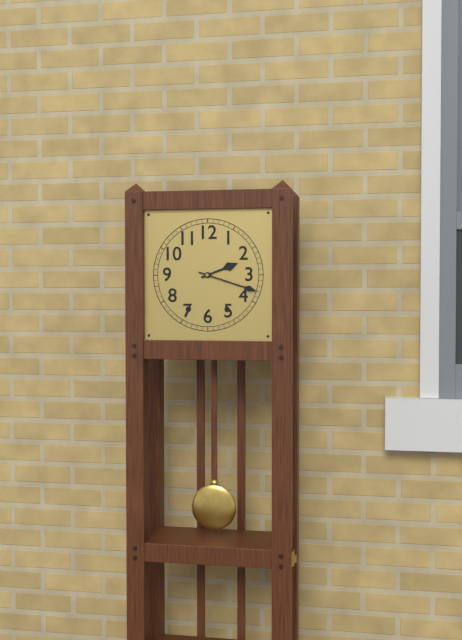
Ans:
2h18
